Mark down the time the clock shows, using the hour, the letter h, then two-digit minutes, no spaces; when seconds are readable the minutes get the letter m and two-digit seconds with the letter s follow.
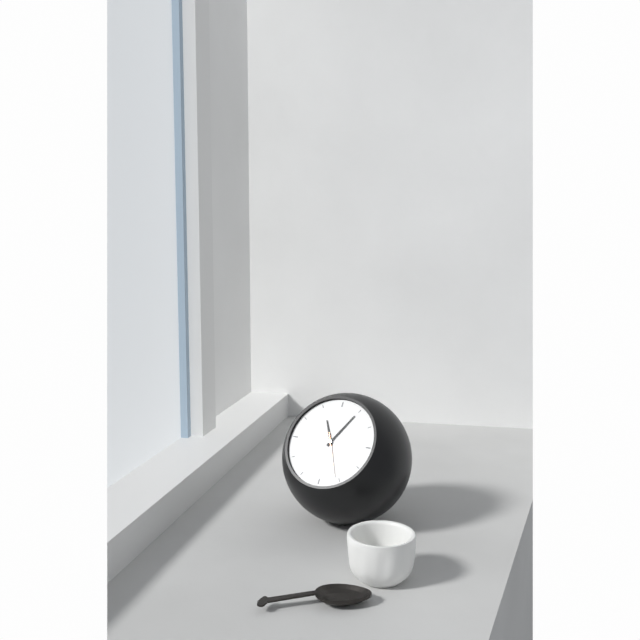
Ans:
11h05
